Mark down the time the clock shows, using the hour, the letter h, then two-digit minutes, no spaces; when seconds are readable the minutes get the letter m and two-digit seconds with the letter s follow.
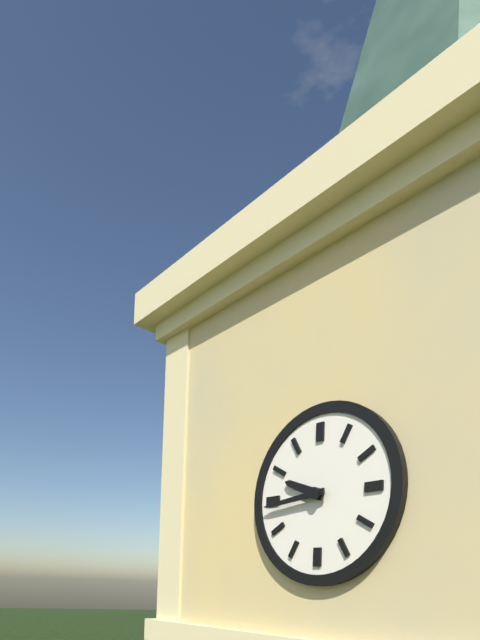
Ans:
9h44
